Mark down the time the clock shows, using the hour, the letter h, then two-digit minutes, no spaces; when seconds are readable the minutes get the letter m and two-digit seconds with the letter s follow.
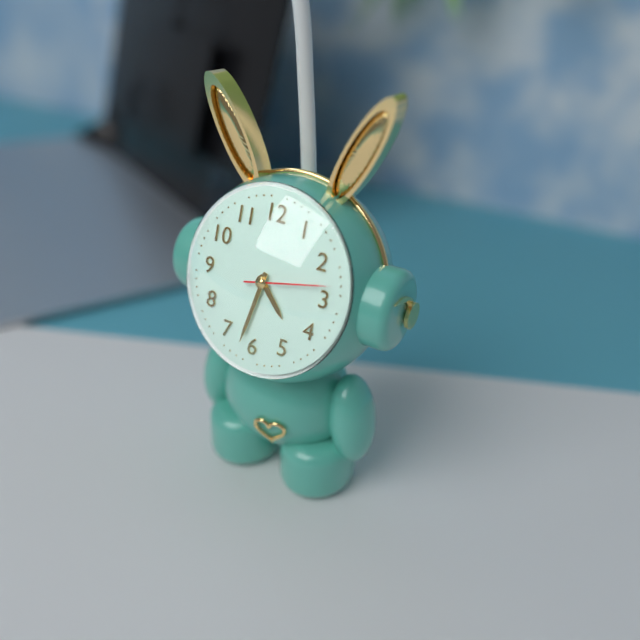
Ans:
4h32m13s
